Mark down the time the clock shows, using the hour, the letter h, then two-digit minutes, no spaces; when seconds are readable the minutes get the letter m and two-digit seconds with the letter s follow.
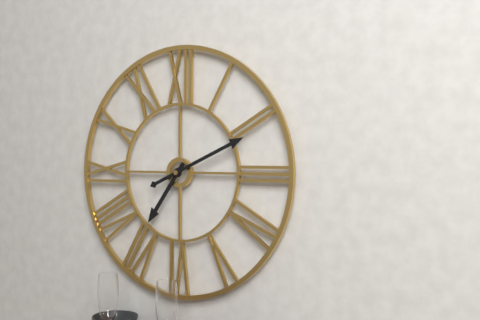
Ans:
7h11
